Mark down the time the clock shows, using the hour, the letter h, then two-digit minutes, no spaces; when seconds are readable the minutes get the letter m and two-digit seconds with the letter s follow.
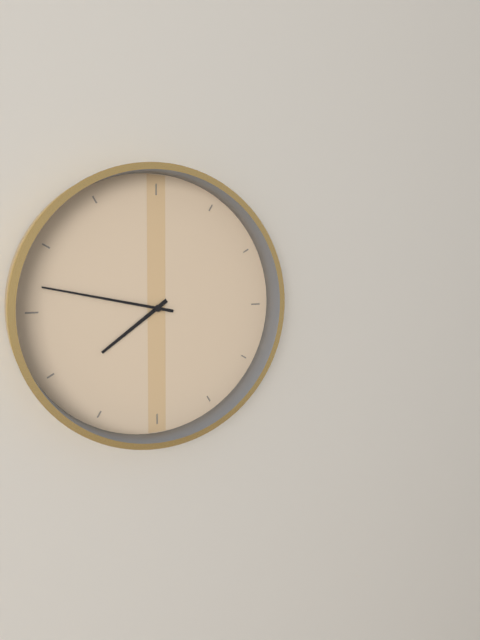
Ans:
7h47
